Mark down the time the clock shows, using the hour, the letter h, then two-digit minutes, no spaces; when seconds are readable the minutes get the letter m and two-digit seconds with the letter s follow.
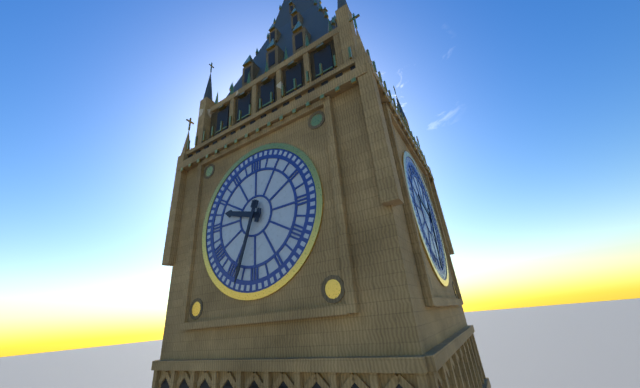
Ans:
9h33
